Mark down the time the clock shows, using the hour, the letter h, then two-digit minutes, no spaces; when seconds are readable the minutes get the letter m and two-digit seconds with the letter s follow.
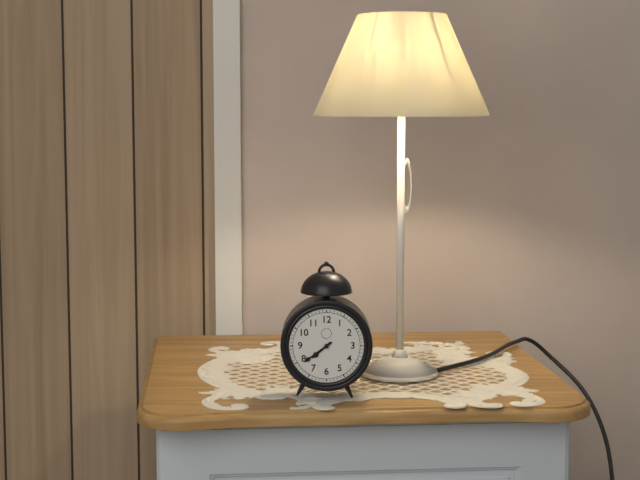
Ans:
7h39
